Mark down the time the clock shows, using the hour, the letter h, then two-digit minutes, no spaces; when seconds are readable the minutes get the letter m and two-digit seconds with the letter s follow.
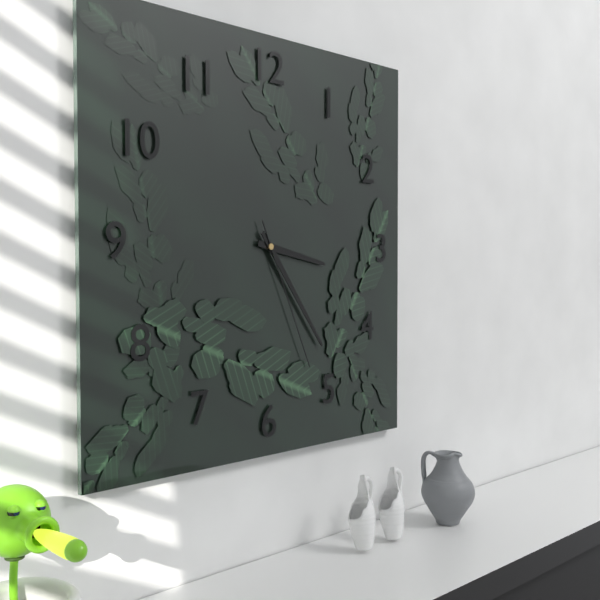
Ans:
3h24m26s
